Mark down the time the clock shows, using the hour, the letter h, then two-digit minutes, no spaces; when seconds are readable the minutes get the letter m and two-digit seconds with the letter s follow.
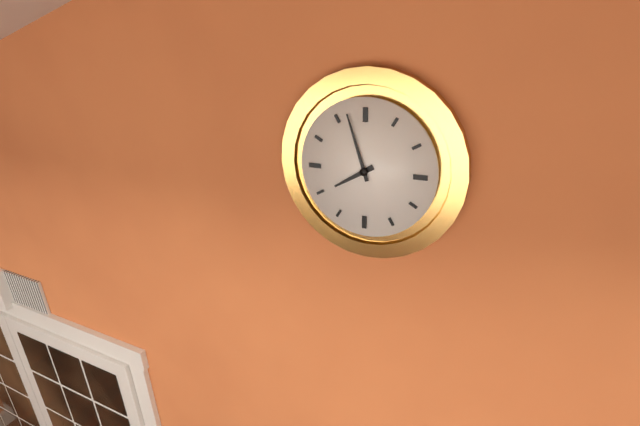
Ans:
7h57
